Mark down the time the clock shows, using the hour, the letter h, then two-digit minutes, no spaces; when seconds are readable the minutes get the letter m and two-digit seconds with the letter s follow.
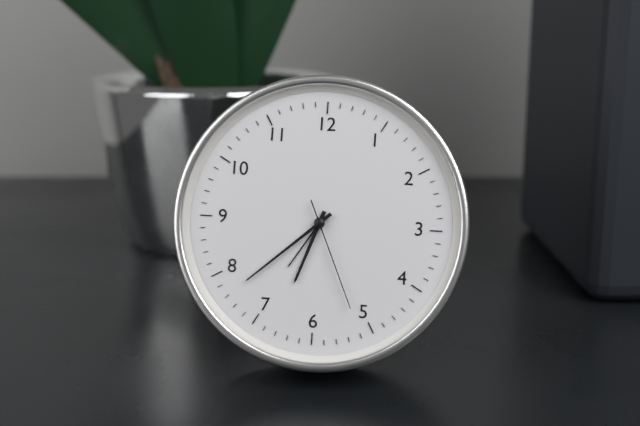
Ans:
6h38m26s
